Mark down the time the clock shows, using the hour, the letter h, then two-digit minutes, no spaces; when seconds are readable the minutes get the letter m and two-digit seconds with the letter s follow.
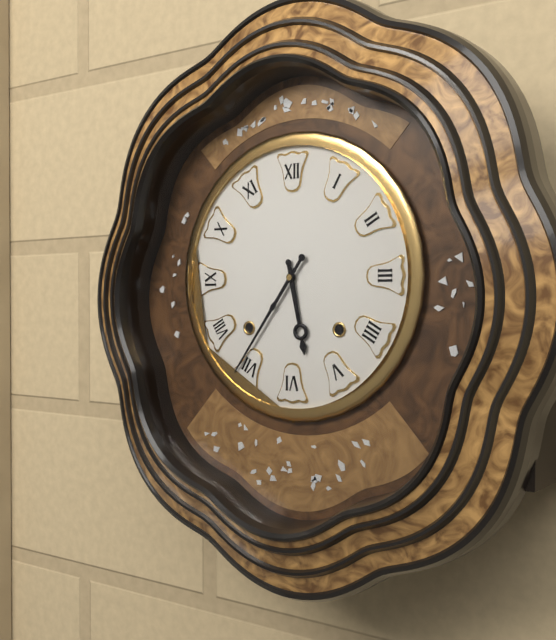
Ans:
5h36
